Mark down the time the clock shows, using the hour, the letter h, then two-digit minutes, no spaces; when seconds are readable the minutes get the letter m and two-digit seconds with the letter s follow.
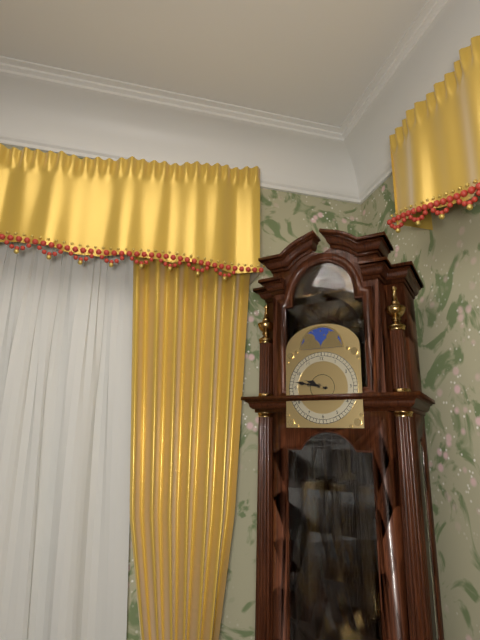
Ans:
9h47
